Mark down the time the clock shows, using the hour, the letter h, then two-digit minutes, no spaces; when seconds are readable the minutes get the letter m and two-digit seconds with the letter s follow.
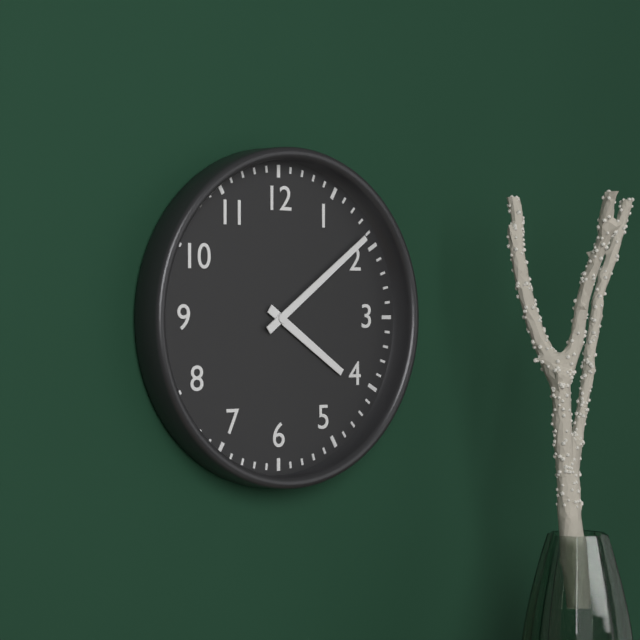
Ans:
4h09
